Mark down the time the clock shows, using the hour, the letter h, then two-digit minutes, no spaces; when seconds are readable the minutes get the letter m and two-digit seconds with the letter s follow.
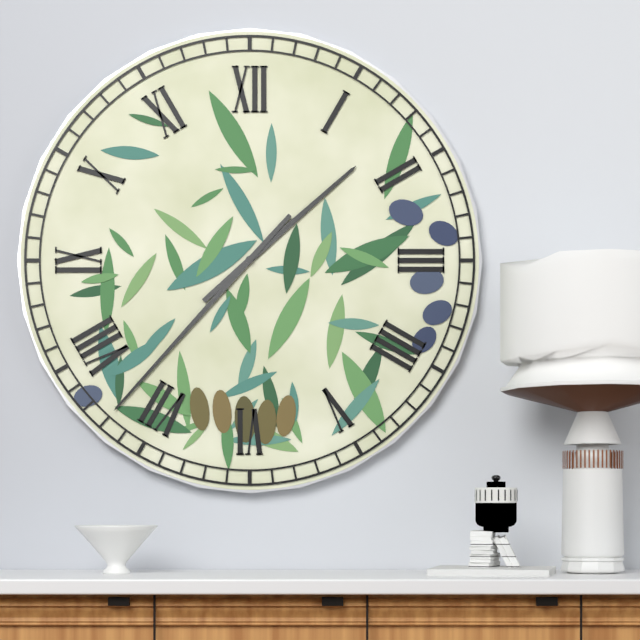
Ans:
1h37
